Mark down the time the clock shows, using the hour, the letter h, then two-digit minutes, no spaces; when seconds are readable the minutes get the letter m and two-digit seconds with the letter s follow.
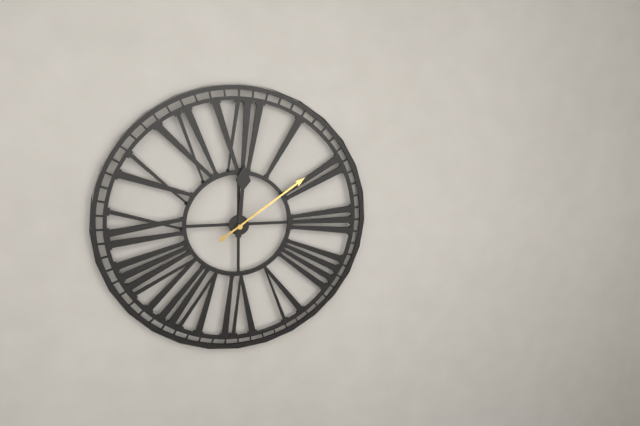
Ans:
12h09
